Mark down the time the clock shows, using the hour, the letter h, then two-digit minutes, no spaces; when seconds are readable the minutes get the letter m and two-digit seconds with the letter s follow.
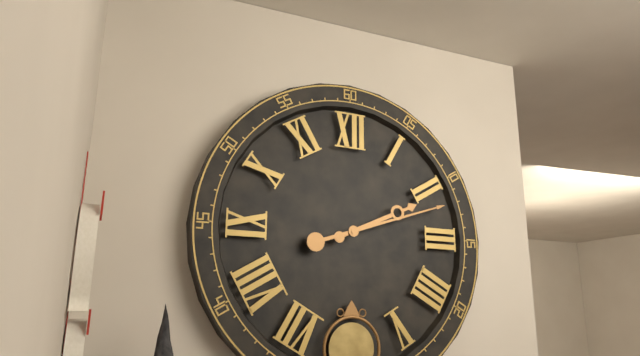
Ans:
2h12
